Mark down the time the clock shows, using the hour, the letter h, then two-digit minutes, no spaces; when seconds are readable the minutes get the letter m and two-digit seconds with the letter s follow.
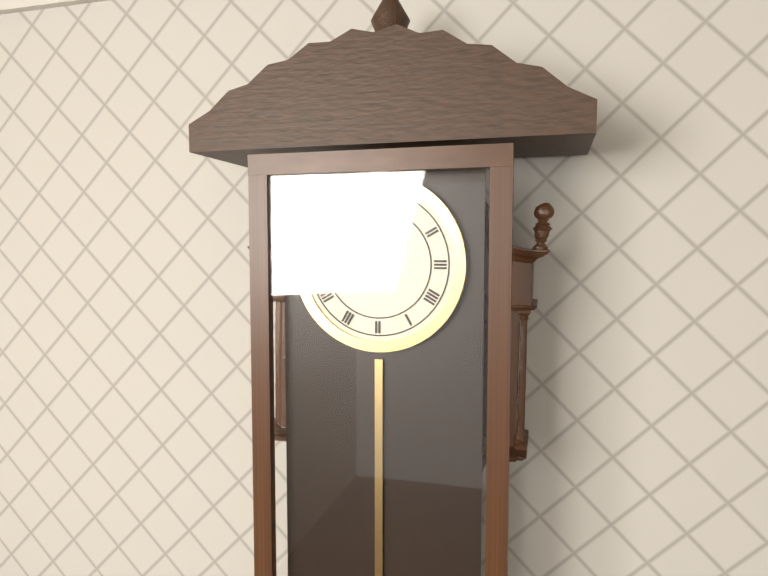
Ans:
9h46
